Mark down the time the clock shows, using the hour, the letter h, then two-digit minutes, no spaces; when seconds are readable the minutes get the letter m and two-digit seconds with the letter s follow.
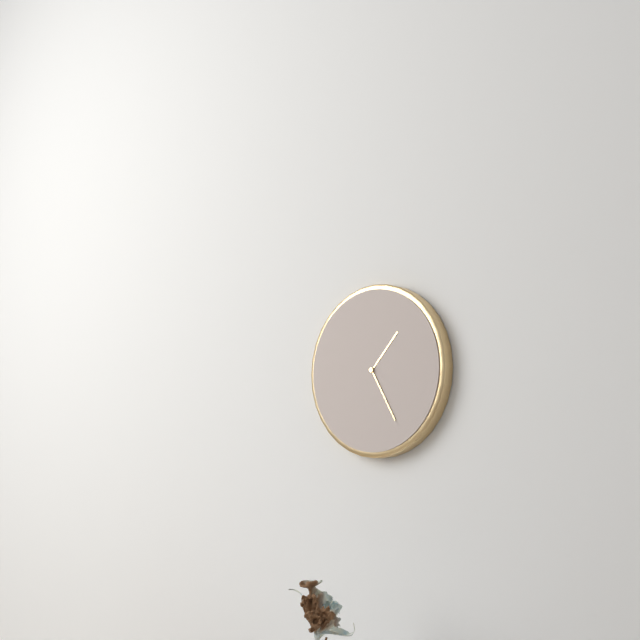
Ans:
1h25
